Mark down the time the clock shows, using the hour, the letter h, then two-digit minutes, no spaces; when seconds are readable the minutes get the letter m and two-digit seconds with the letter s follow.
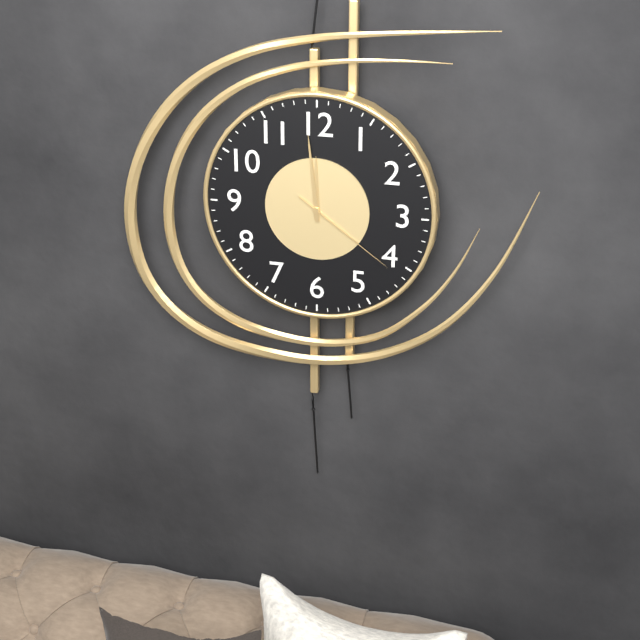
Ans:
11h59m21s
